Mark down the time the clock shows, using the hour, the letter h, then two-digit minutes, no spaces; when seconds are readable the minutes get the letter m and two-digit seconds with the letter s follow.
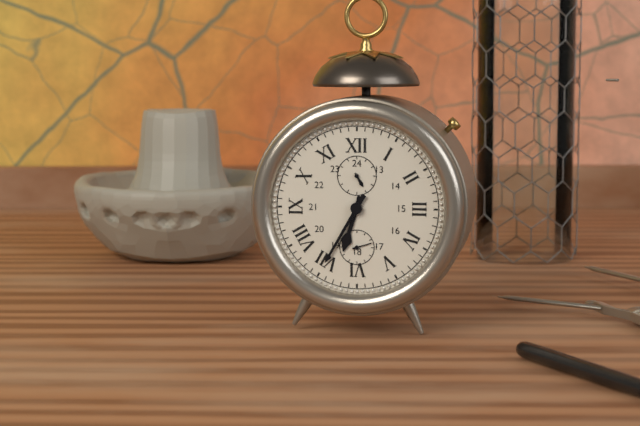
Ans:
6h35
